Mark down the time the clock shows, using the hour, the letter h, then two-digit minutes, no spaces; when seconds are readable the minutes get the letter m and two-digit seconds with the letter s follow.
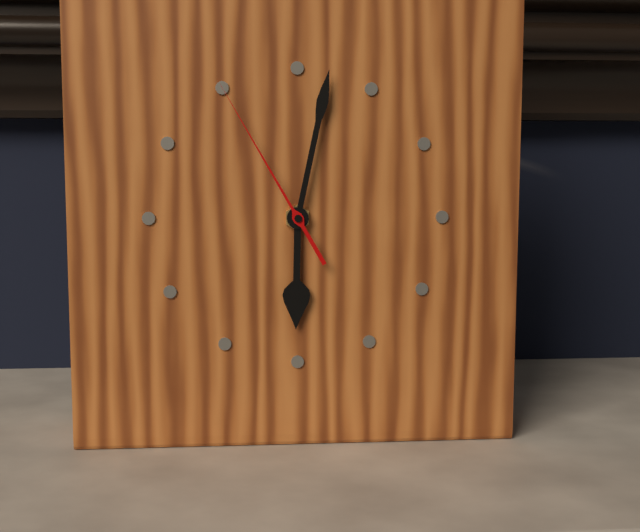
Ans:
6h02m55s
